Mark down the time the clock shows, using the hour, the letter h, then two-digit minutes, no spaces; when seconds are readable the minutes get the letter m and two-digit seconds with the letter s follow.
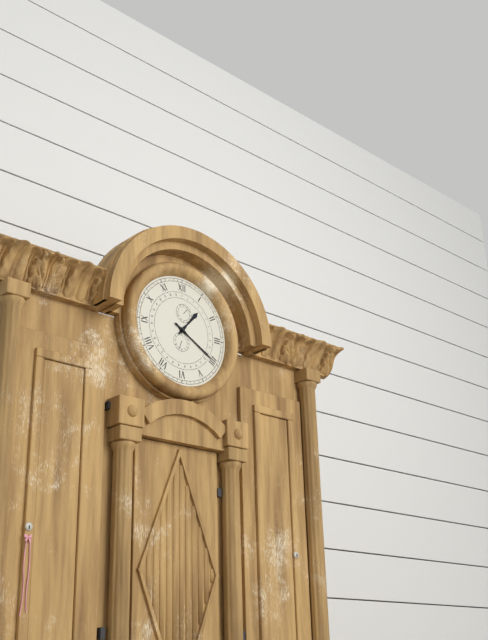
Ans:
1h20
